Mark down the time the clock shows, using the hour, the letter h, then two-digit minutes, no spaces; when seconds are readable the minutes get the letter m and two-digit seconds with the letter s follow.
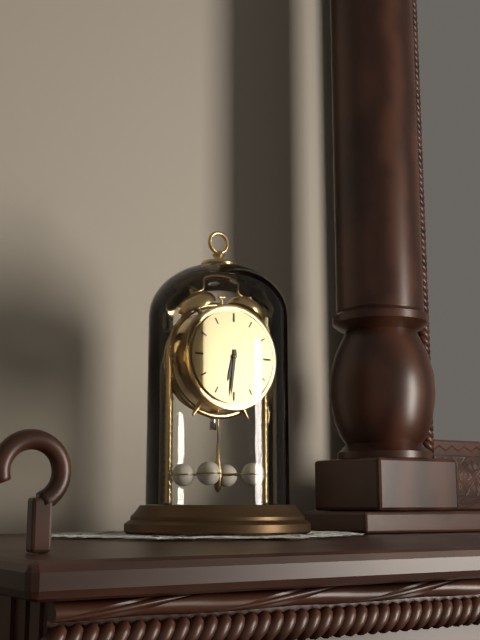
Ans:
6h31
